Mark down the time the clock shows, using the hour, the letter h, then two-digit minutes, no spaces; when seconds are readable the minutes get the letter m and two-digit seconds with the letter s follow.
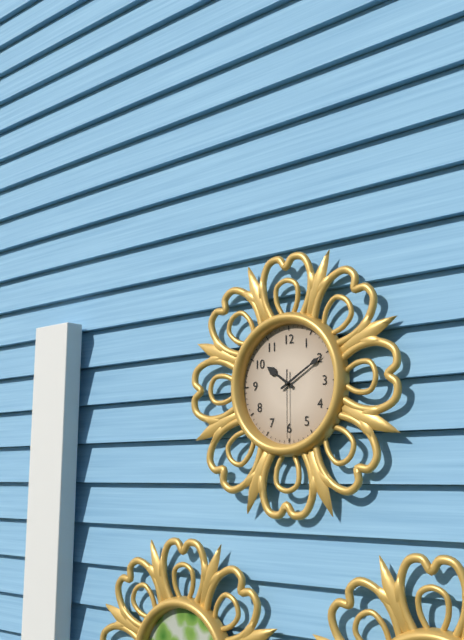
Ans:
10h10m30s
